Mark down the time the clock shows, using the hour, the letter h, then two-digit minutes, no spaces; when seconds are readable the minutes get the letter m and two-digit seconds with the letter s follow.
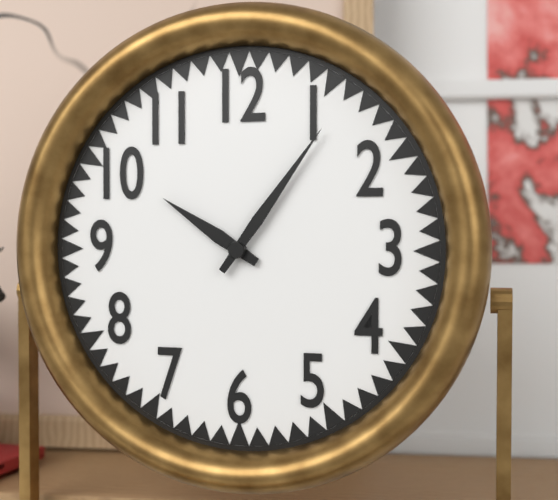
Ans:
10h06
